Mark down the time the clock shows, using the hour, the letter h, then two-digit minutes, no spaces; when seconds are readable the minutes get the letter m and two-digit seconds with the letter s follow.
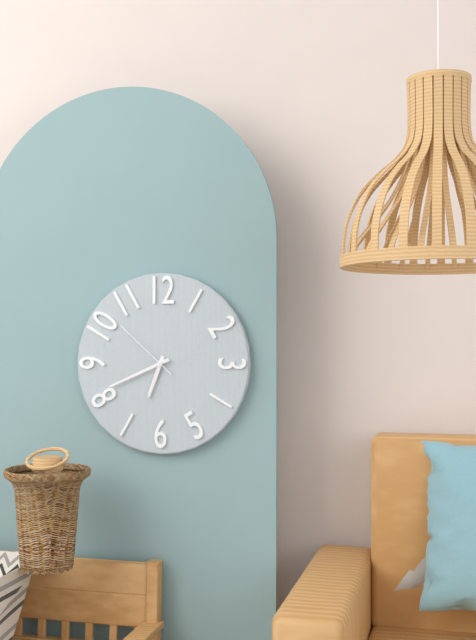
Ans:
6h41m52s
